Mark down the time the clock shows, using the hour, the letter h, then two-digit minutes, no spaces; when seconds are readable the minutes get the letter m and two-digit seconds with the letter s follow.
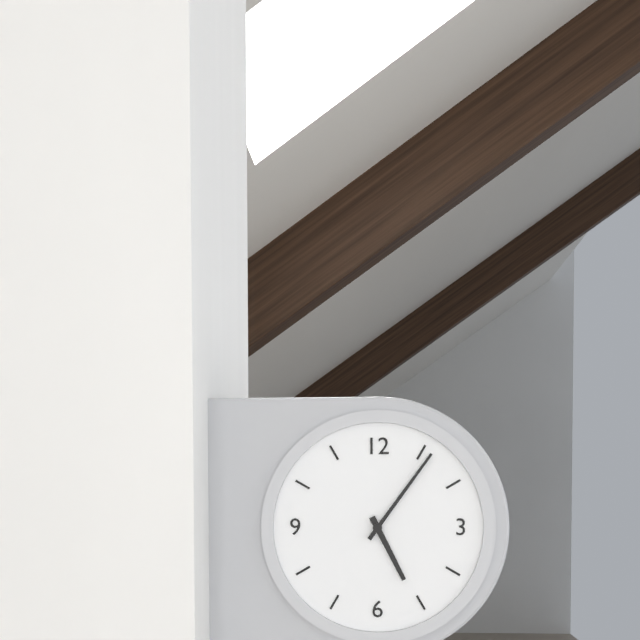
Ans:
5h06
